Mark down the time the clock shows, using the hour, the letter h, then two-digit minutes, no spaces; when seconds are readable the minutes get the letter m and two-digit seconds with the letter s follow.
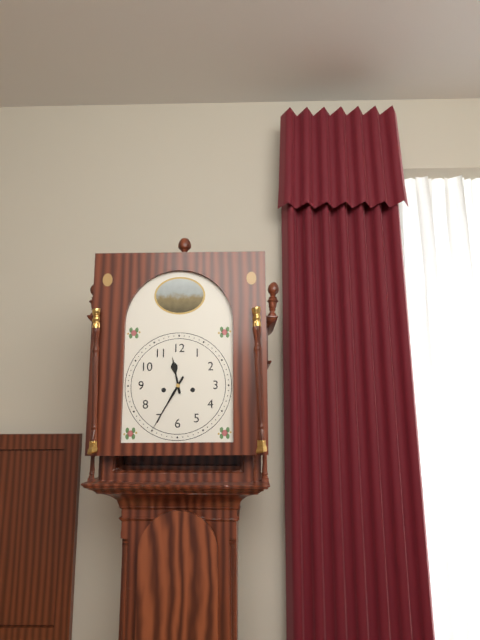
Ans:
11h35
